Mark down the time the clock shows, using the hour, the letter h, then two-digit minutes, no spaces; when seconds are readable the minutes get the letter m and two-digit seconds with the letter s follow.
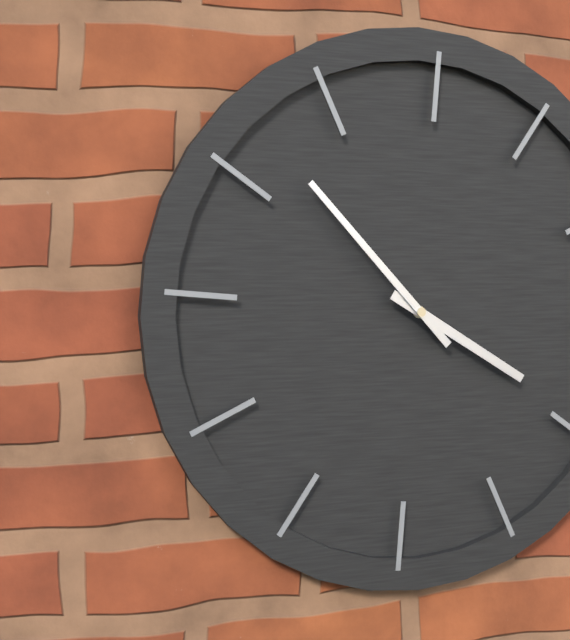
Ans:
3h52
